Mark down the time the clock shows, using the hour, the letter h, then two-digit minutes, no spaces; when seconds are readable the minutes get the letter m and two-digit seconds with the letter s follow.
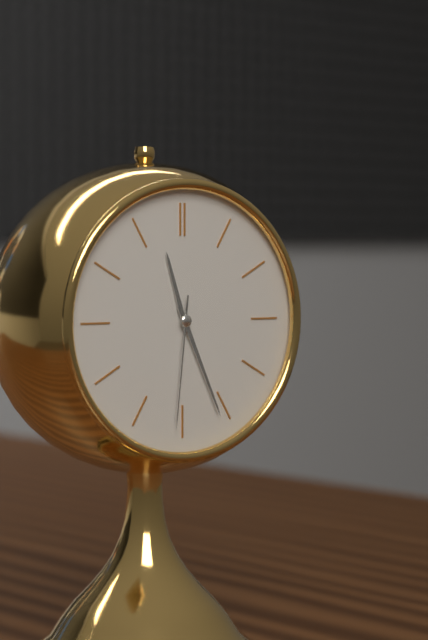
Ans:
11h26m31s
